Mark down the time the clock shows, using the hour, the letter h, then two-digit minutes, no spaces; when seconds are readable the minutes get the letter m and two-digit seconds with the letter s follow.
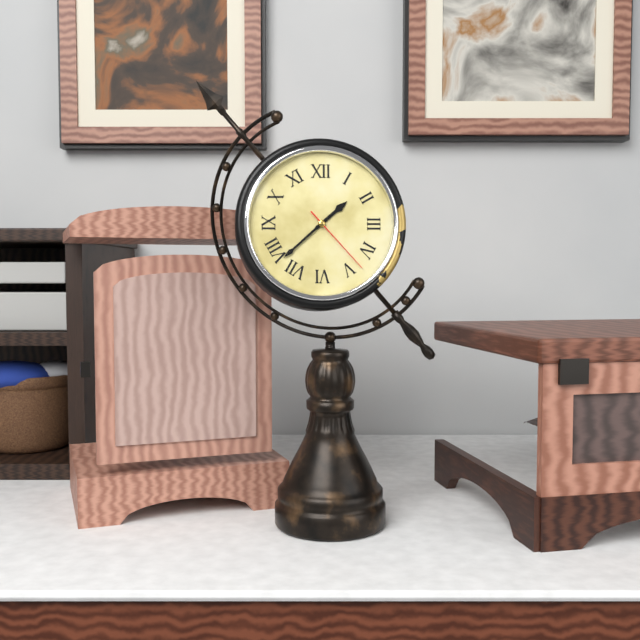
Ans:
1h38m23s
